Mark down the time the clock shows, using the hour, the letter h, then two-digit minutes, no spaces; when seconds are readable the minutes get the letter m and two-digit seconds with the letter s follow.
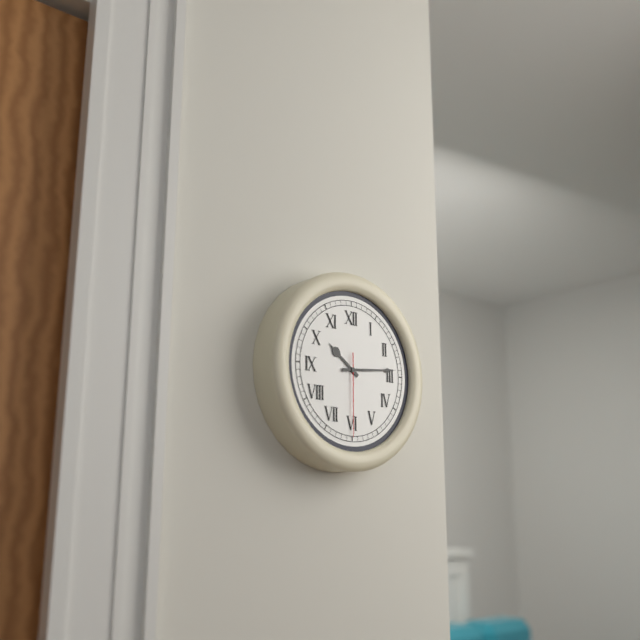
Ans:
10h14m30s
